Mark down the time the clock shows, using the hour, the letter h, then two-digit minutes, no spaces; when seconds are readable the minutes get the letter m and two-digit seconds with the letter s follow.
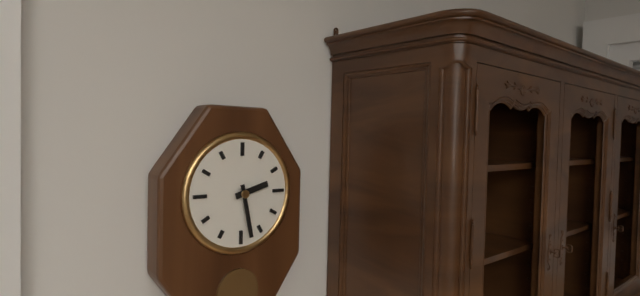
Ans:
2h28
